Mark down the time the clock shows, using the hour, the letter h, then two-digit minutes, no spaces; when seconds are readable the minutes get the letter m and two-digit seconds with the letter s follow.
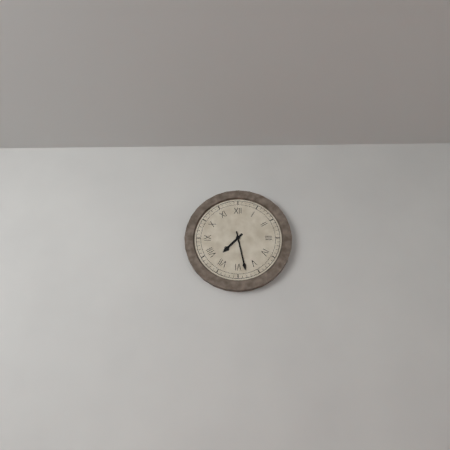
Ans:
7h28
